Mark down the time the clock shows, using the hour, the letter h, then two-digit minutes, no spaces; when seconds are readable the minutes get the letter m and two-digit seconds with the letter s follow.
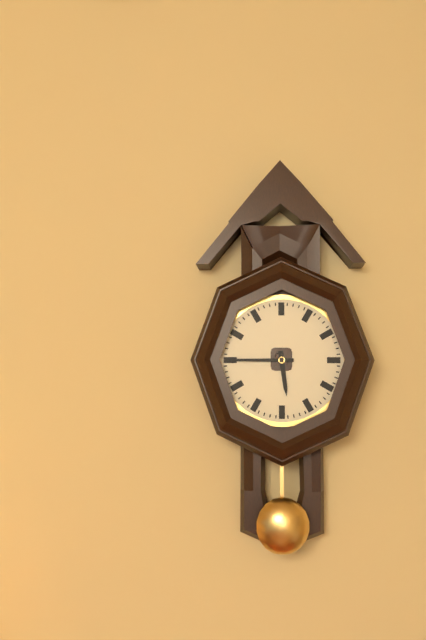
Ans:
5h45
